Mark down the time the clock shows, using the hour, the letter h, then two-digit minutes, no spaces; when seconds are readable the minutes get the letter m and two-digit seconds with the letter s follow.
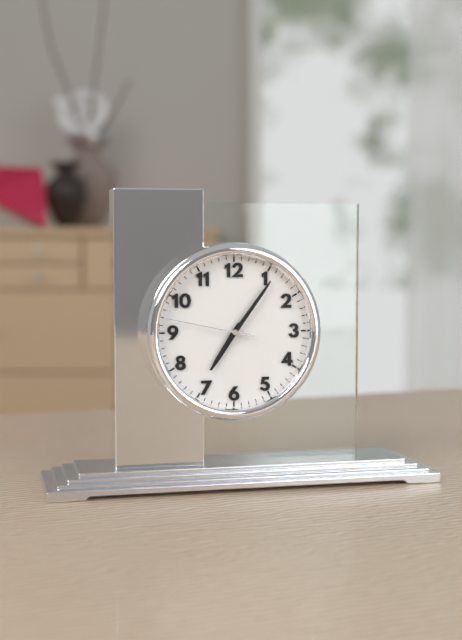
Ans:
7h06m47s
